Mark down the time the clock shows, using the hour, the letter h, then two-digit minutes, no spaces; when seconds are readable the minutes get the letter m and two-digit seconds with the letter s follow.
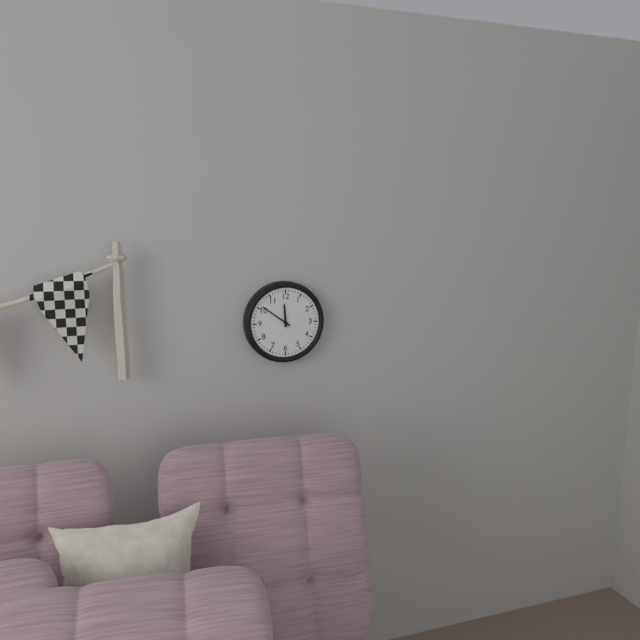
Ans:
11h51
